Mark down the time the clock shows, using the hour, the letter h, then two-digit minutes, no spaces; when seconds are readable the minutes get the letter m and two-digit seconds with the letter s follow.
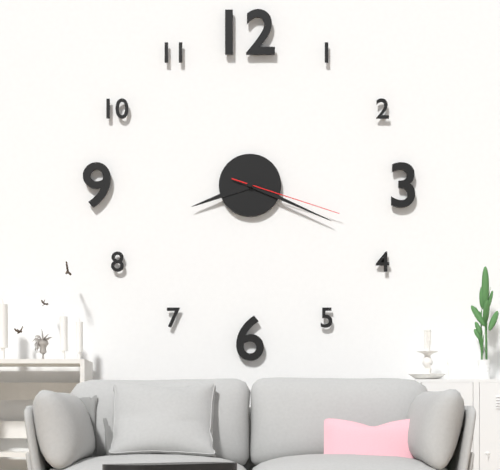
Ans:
8h19m18s
